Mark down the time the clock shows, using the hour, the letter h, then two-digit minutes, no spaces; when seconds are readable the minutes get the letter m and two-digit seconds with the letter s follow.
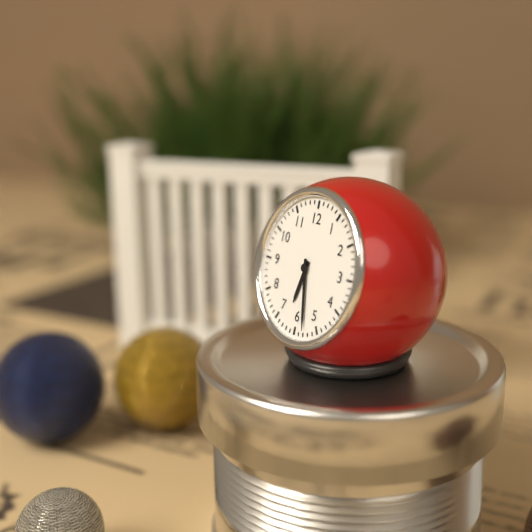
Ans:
6h28
